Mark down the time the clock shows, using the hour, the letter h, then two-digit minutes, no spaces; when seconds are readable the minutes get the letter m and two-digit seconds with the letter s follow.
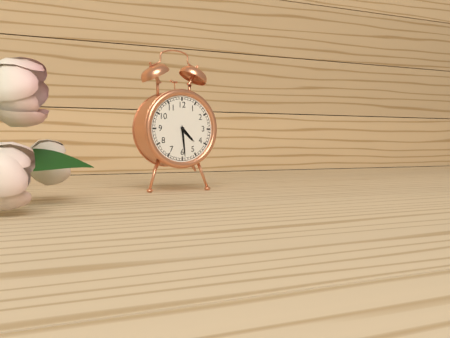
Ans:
4h29
